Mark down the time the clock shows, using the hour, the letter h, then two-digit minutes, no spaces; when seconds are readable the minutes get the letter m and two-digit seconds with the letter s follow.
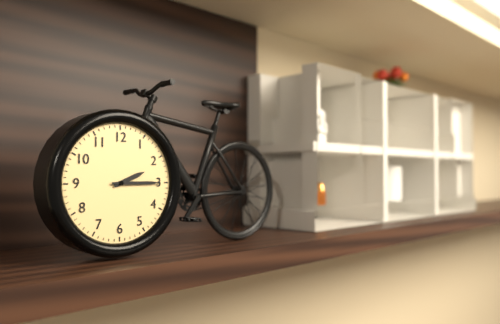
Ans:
2h15
